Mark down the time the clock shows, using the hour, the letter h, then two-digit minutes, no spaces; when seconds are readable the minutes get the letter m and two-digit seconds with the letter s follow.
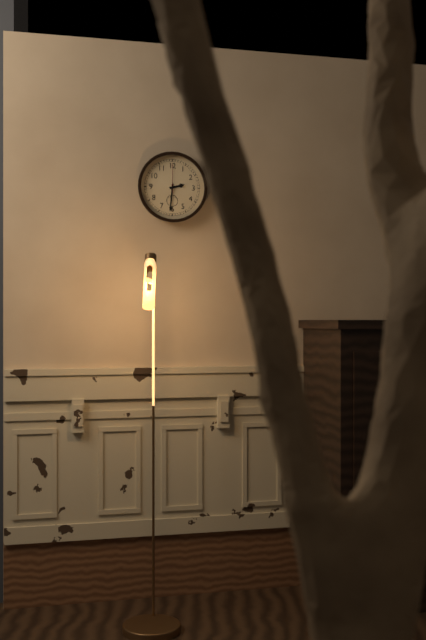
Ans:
2h31
